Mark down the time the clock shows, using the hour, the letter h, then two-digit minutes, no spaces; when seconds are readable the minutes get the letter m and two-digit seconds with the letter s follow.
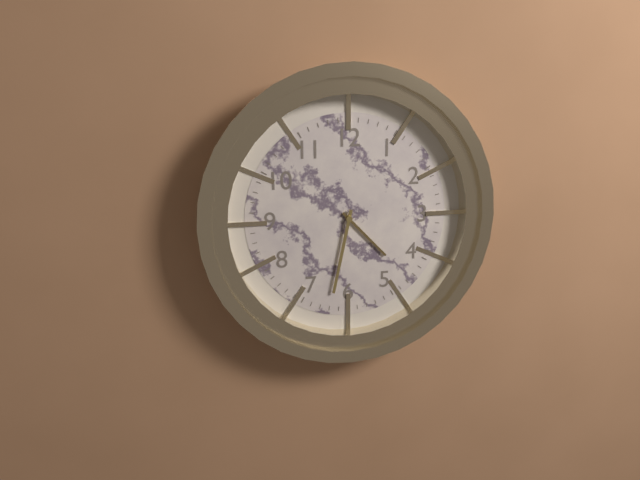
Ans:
4h32
